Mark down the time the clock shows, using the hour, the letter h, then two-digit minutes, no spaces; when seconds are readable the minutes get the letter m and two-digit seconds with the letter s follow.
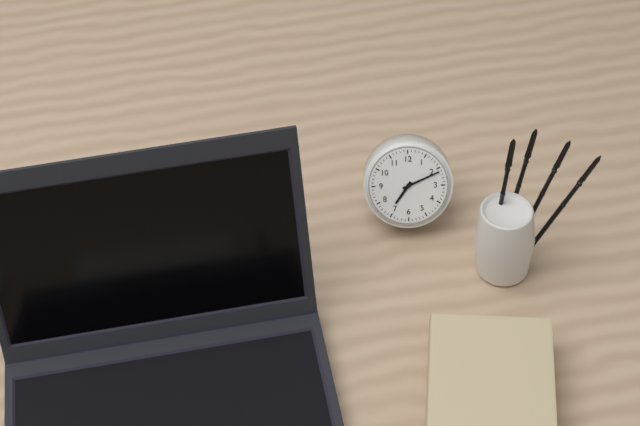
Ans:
7h11
